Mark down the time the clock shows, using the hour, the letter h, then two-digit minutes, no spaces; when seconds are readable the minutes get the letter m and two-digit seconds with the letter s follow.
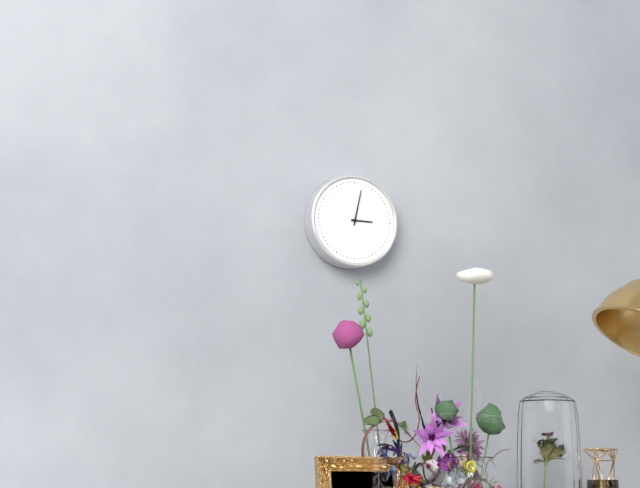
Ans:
3h02
